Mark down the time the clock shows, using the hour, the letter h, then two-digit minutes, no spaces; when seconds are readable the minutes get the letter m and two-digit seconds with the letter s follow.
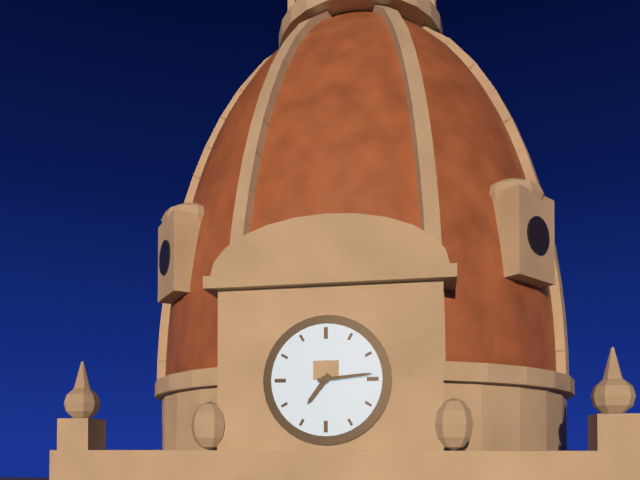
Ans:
7h14
